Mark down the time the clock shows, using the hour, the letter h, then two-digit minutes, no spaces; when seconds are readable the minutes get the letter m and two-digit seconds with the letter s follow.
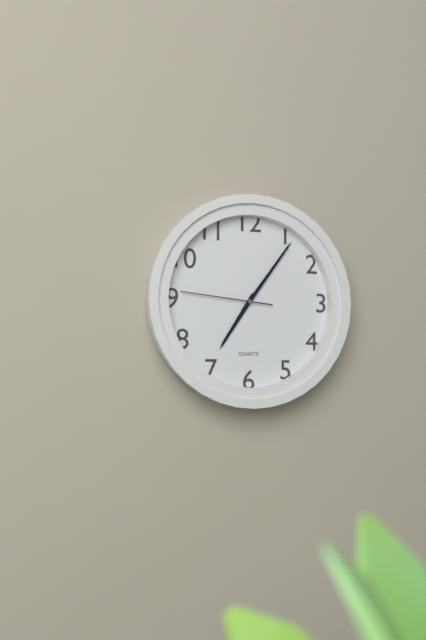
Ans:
7h06m46s
